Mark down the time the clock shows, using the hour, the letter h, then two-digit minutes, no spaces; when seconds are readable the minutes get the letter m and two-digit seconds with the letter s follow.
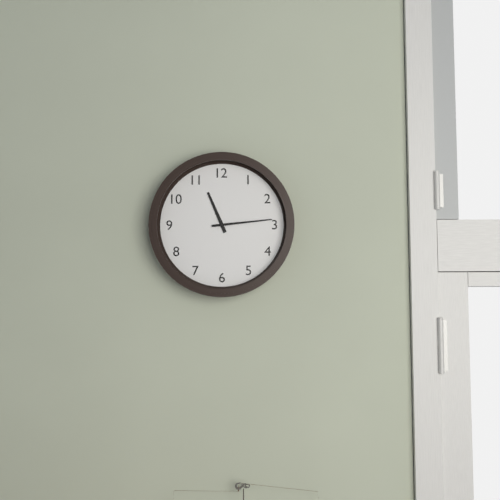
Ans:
11h14
